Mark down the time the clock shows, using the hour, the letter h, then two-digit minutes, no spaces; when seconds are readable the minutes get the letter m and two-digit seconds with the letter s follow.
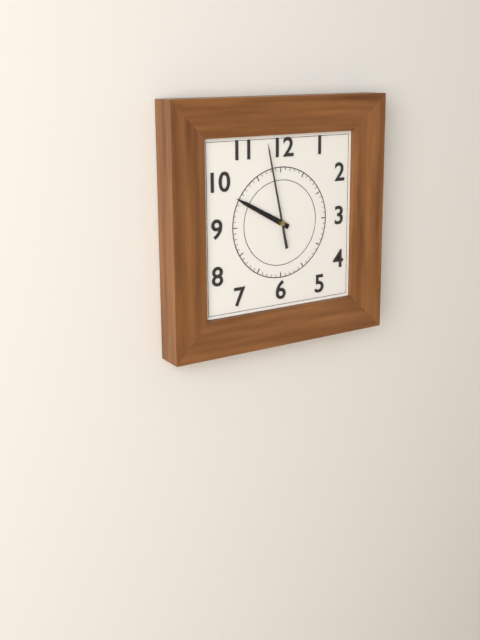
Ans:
9h58
